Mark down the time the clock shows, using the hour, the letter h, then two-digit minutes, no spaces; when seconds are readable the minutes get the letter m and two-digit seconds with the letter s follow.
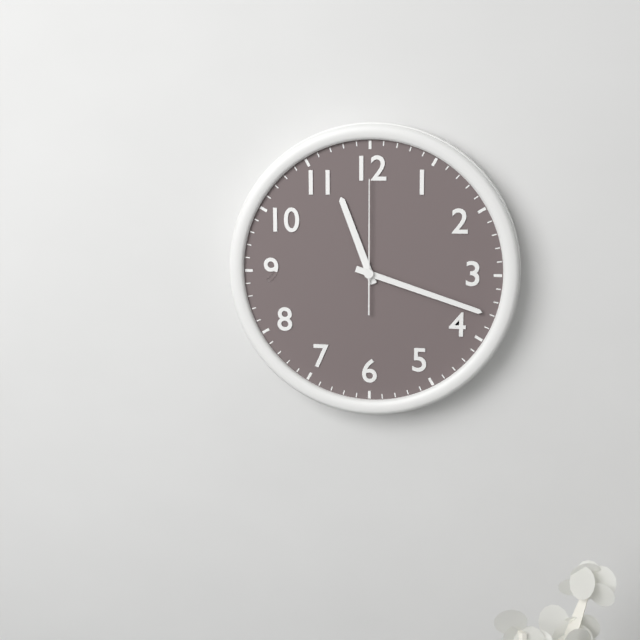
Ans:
11h18m00s
